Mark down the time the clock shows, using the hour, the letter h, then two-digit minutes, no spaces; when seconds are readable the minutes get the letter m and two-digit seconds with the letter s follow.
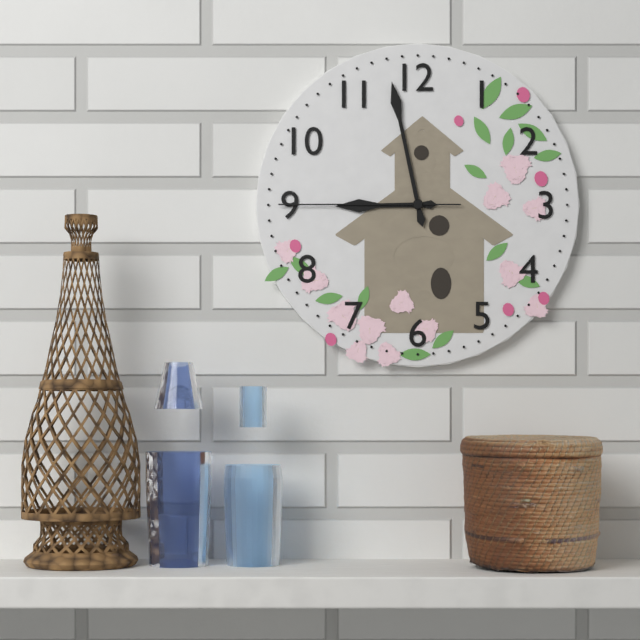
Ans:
8h58m45s
